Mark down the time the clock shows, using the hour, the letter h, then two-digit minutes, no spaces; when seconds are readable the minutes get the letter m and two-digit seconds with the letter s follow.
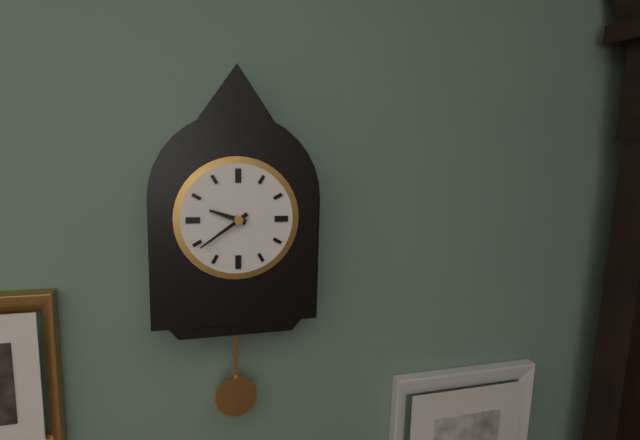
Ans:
9h39
